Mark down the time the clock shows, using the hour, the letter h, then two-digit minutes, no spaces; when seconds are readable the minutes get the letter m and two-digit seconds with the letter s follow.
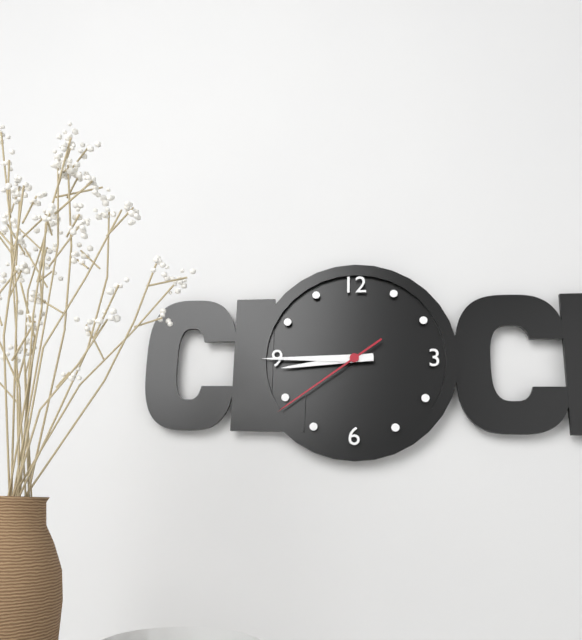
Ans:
8h45m39s
